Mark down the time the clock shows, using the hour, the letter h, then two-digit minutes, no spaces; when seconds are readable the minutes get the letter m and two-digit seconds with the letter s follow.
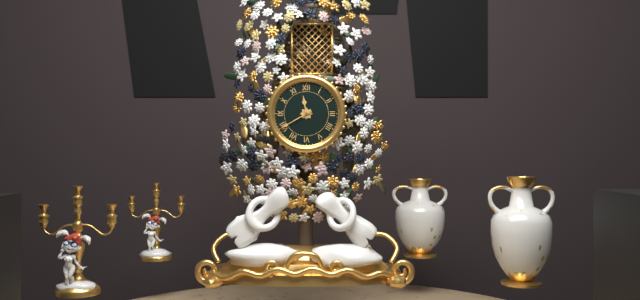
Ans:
11h40
